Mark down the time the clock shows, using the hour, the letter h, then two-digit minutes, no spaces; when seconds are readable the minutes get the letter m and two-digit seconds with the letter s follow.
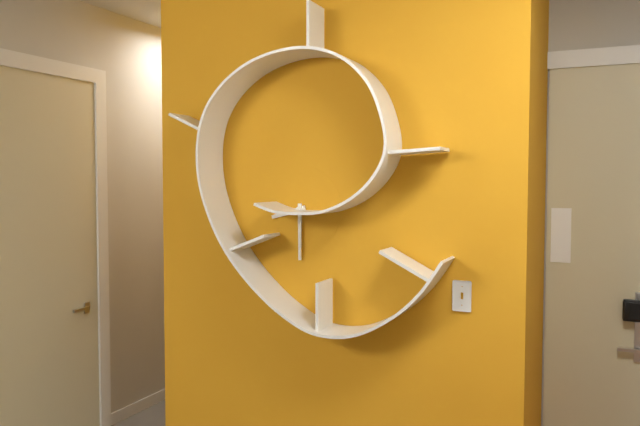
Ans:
8h30
